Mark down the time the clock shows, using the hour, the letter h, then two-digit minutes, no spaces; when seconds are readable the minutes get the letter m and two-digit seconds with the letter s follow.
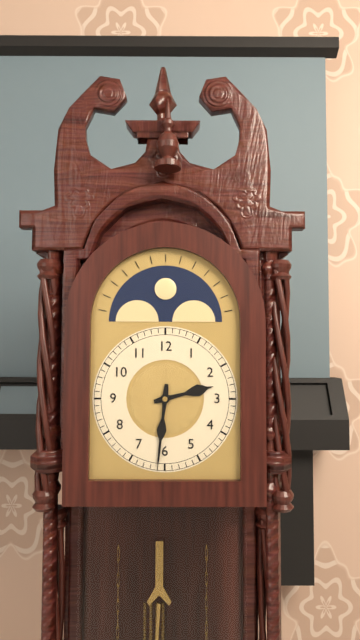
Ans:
2h31
